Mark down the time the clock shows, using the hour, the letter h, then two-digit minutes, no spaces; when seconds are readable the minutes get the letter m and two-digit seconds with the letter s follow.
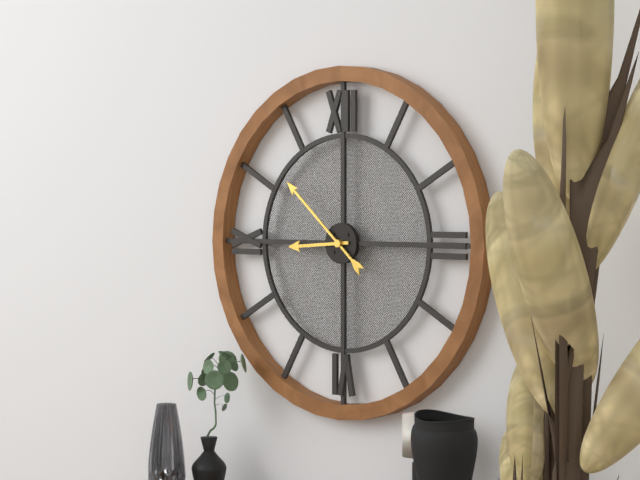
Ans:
8h52
